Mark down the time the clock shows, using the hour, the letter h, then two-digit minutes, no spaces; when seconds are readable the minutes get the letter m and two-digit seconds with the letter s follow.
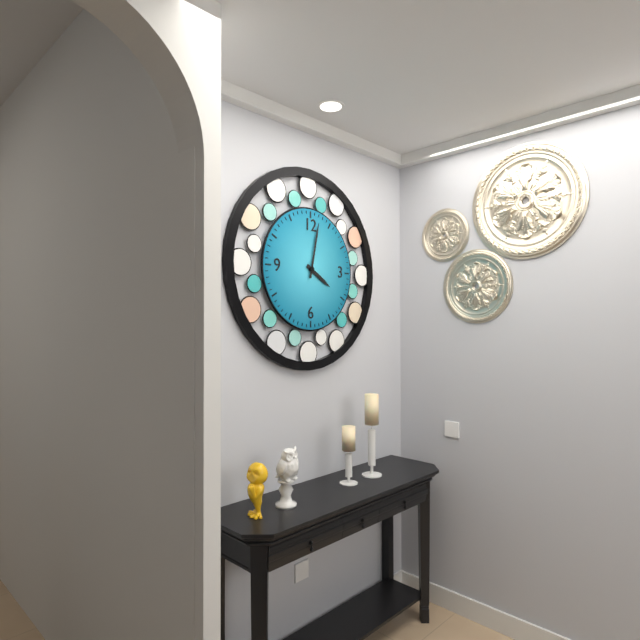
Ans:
4h02
